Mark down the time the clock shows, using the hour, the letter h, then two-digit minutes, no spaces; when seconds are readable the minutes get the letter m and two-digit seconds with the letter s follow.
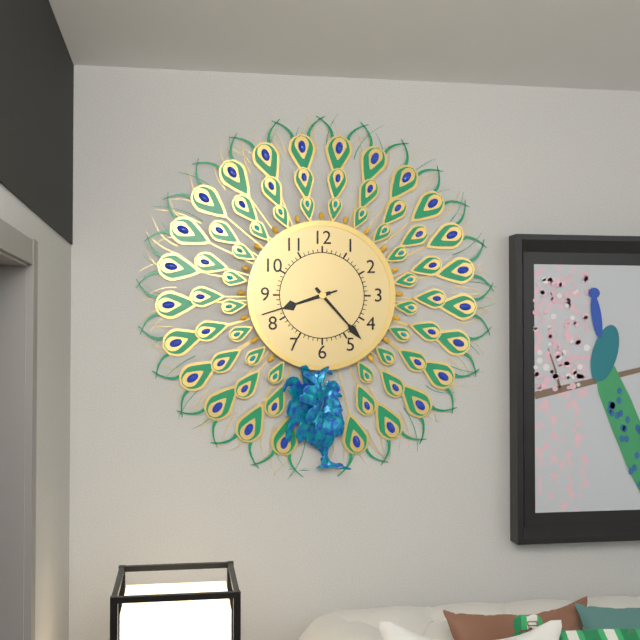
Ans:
8h23m42s
